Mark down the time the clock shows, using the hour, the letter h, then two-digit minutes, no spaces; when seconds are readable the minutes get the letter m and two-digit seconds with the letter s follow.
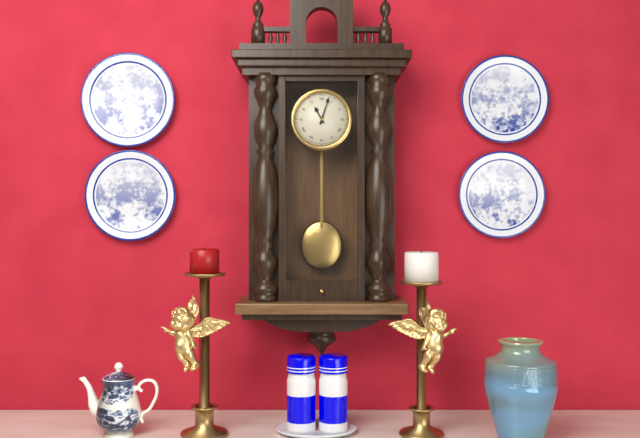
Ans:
11h03
